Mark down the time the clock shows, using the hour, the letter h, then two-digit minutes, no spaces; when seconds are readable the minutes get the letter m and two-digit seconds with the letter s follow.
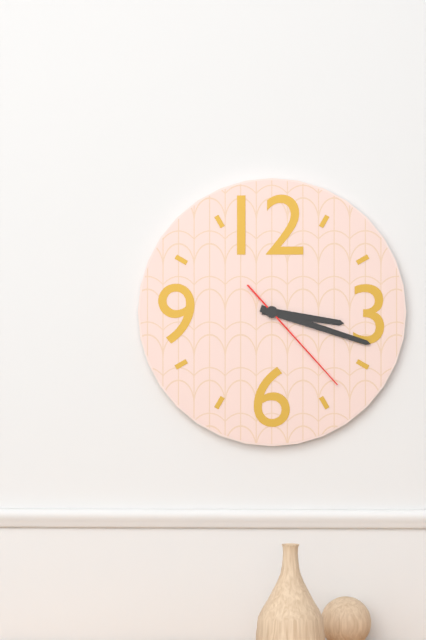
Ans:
3h18m23s
